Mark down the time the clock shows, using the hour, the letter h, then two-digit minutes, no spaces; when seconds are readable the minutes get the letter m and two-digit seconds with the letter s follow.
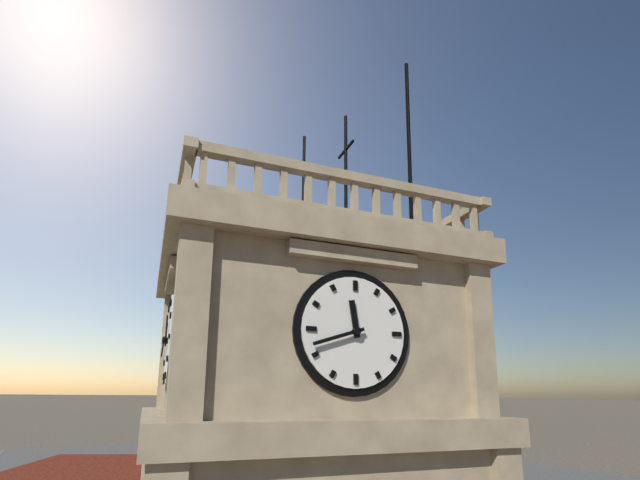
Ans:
11h42
